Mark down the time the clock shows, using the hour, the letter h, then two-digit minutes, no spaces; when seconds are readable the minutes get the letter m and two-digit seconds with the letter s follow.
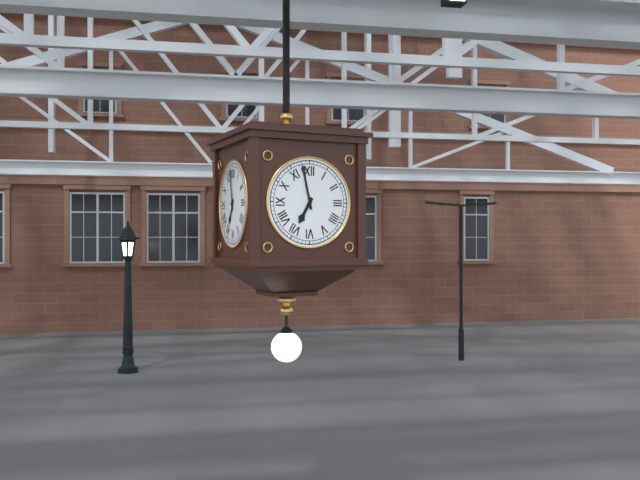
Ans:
6h58
